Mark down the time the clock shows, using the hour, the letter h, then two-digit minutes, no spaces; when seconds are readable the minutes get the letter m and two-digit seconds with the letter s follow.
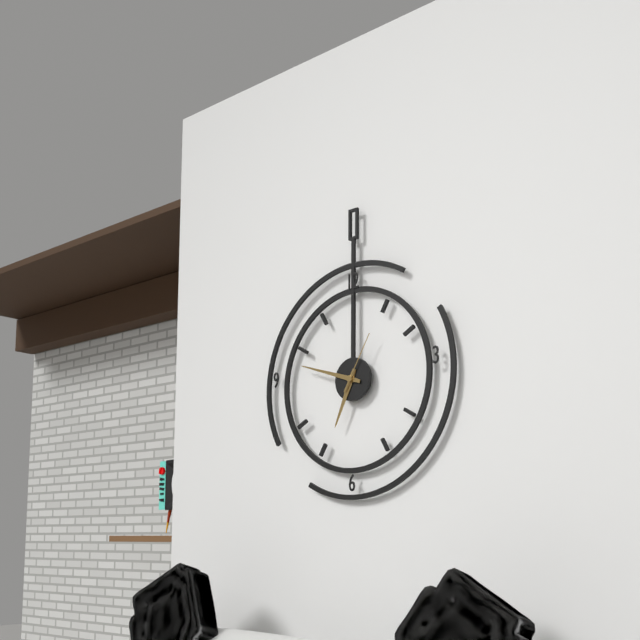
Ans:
6h48m05s
